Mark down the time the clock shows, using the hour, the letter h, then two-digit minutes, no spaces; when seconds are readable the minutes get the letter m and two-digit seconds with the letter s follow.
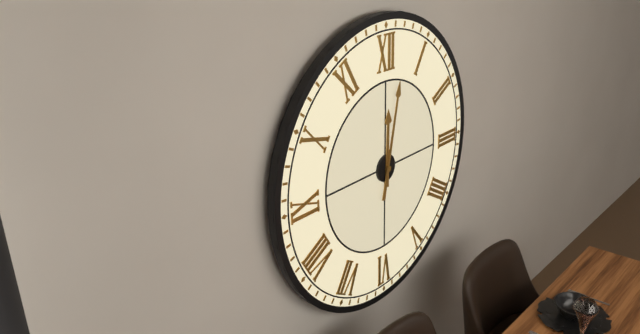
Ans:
12h02
